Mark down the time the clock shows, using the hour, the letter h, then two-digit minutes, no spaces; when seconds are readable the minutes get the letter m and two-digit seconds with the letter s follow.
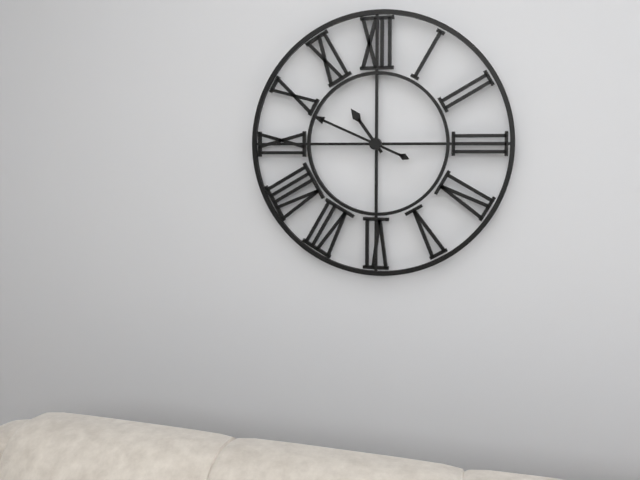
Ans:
10h49
